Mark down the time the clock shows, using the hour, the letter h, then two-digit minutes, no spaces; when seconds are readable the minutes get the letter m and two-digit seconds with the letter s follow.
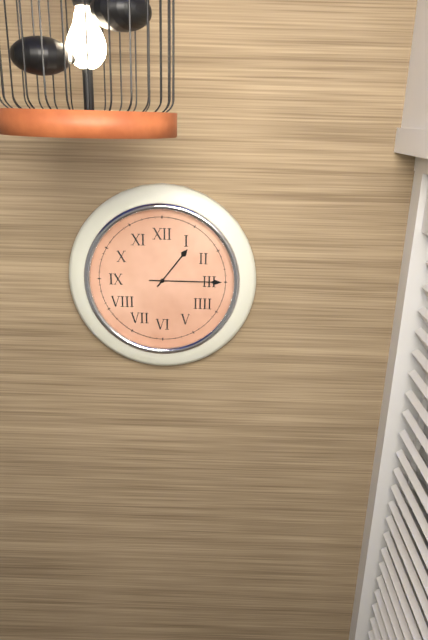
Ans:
1h15
